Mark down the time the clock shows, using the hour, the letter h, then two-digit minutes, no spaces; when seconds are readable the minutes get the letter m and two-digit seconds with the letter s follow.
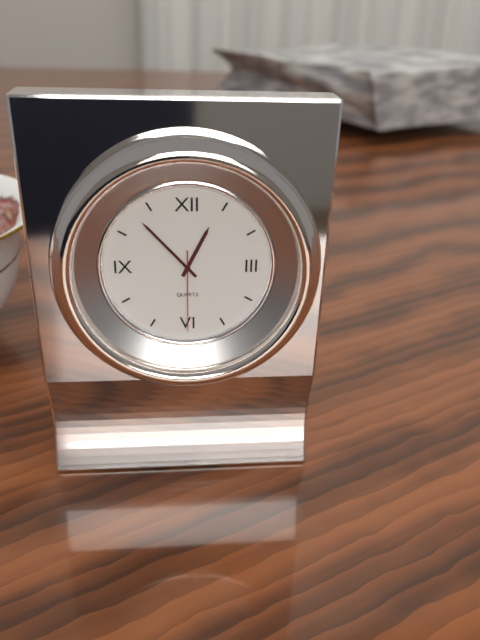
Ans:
12h53m30s
